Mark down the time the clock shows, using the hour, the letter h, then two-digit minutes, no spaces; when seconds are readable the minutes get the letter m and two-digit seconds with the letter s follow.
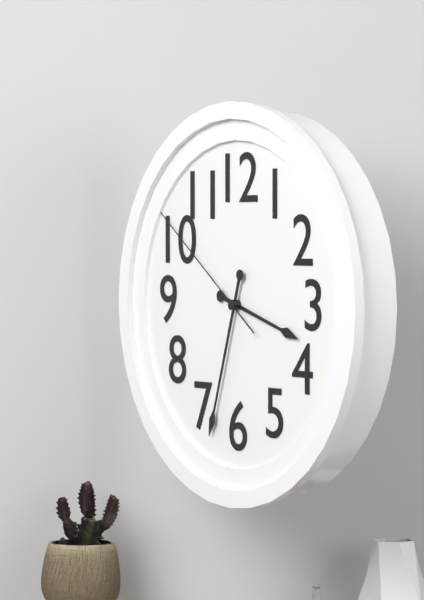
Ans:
3h33m51s
